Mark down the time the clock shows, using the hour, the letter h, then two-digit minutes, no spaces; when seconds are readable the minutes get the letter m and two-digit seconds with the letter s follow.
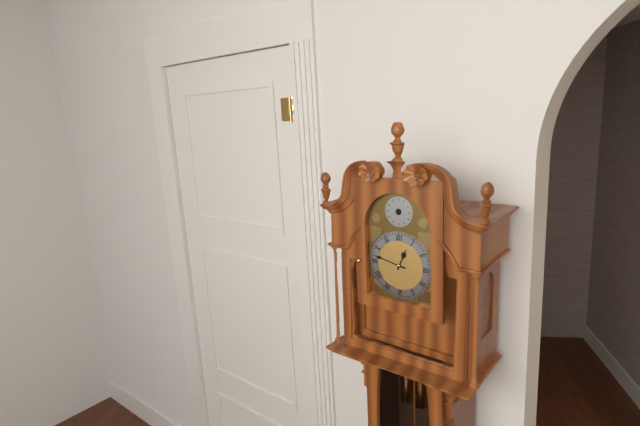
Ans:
12h47
